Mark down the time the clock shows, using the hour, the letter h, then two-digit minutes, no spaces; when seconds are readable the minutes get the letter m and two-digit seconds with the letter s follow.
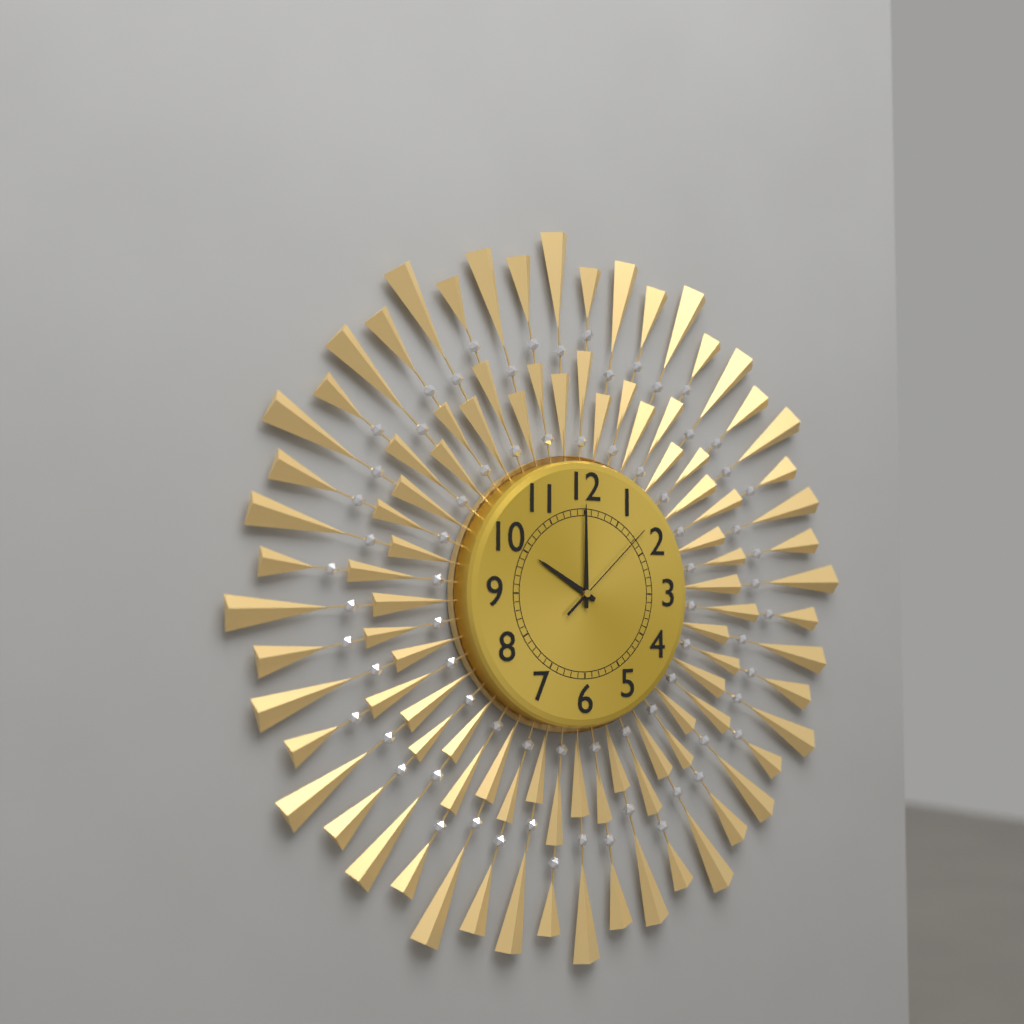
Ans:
10h00m08s
